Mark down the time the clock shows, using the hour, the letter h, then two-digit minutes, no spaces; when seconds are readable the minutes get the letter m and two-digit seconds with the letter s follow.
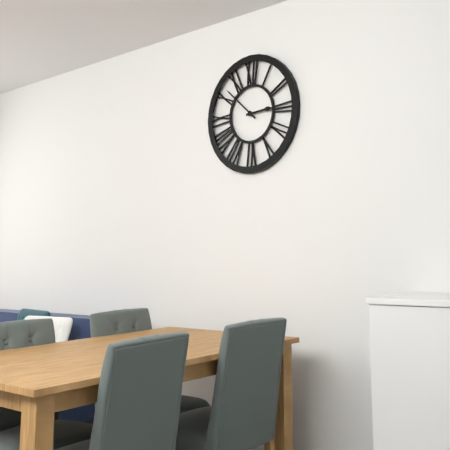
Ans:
2h52
